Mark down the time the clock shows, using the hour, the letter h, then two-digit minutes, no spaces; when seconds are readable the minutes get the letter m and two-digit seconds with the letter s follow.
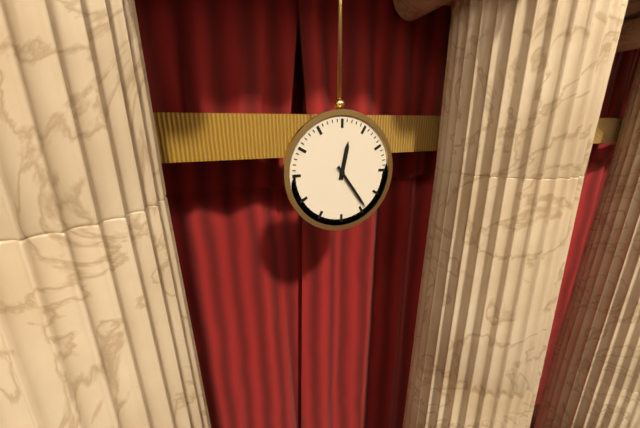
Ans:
12h24
